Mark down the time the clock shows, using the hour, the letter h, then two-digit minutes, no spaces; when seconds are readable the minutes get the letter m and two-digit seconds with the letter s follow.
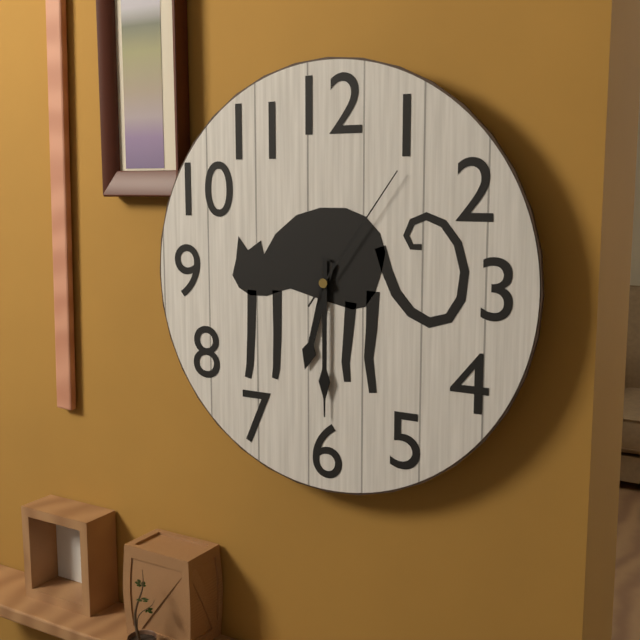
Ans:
6h30m06s
